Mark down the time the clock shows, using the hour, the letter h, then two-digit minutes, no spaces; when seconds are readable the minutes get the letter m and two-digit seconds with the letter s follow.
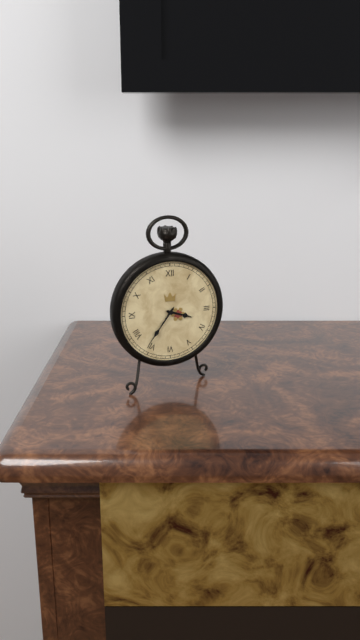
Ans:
3h36
